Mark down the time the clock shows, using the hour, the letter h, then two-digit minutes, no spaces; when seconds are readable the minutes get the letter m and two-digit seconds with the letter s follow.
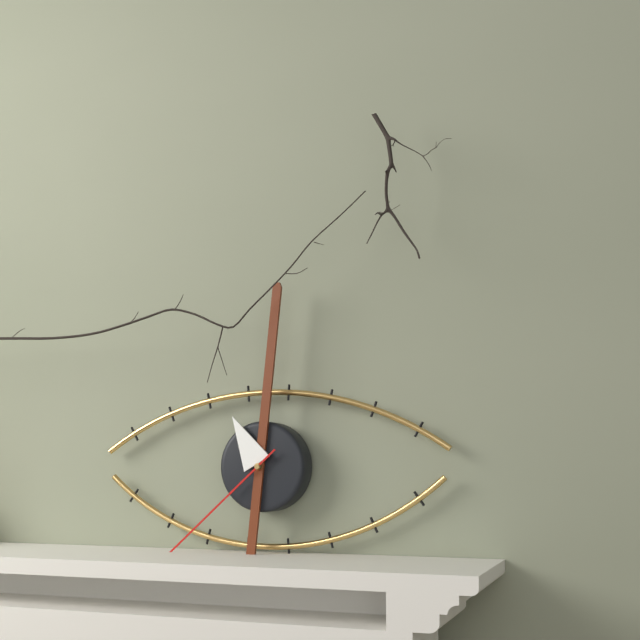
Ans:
11h01m38s
